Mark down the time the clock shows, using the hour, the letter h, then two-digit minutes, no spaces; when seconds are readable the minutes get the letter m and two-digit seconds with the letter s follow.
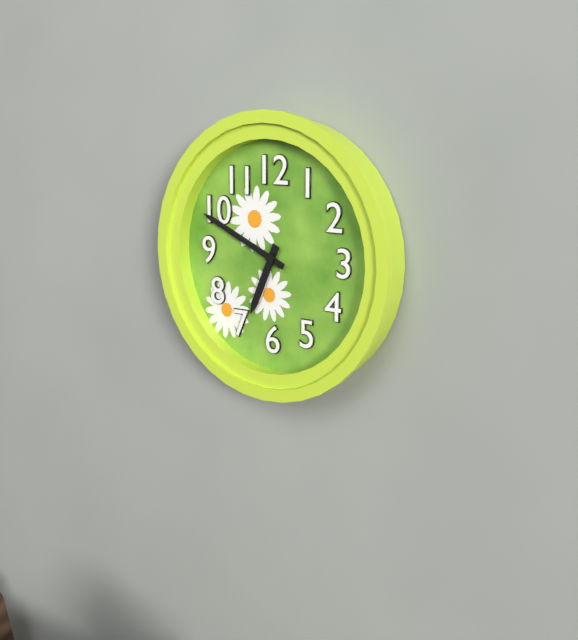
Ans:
6h49
